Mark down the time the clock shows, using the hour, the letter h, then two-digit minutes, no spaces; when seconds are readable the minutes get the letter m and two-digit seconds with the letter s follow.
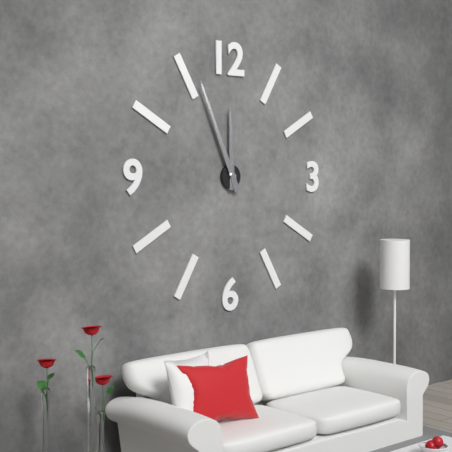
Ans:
11h56
